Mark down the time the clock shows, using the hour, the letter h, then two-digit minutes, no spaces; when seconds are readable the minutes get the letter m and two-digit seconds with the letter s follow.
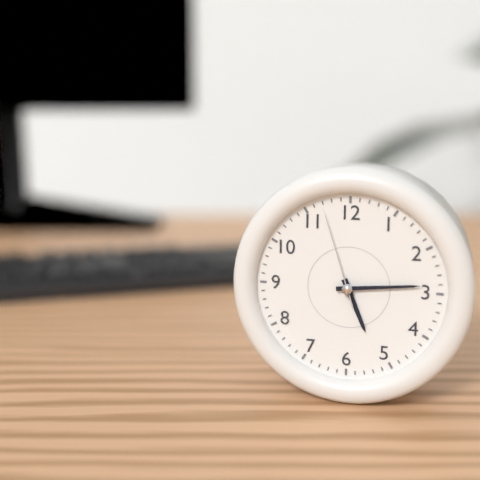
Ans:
5h14m57s
